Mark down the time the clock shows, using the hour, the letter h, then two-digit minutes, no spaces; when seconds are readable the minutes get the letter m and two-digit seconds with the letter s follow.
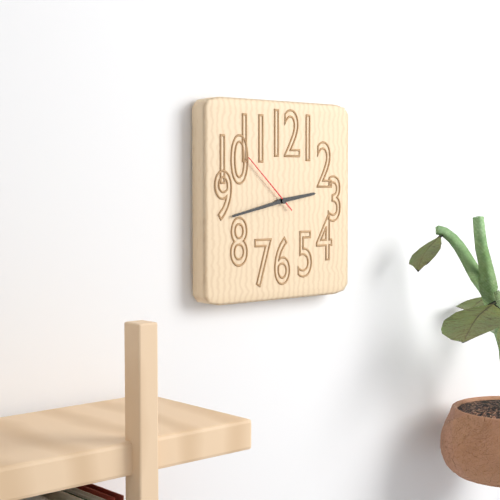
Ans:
2h43m52s
